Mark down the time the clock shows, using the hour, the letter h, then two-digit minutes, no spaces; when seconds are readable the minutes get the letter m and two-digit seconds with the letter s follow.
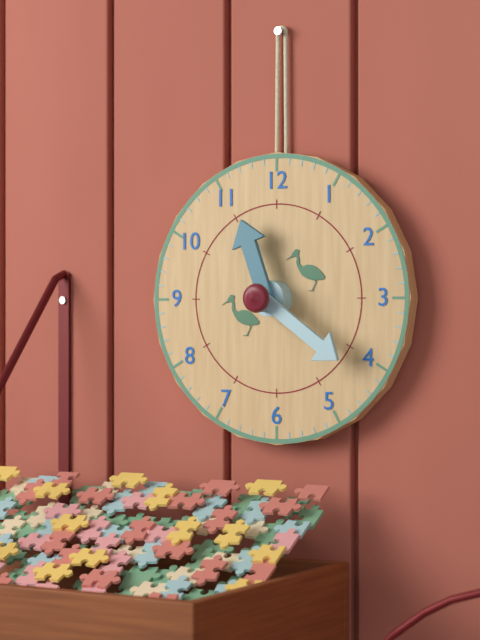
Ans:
11h21
